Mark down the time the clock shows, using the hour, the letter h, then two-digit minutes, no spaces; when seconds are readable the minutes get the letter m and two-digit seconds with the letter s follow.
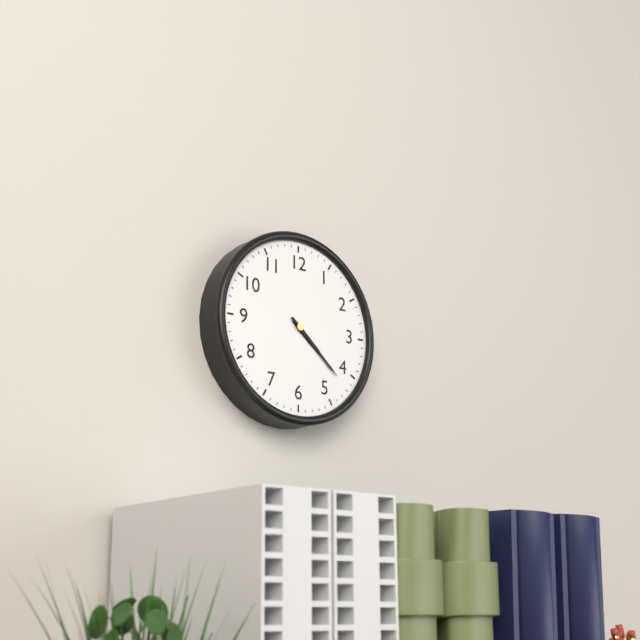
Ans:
4h22
